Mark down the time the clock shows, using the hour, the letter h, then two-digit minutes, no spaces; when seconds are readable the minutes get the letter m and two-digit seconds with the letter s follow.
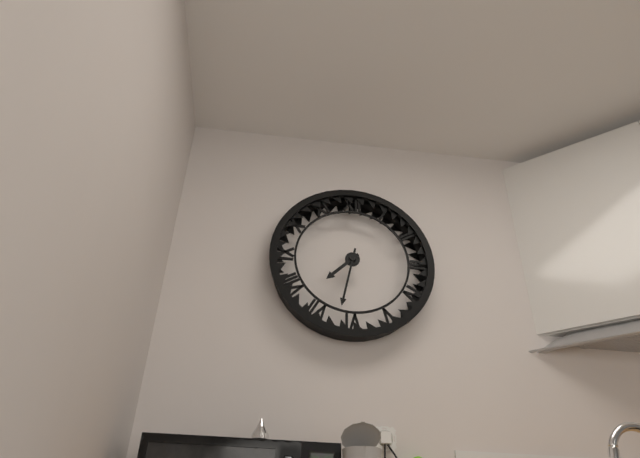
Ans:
7h32
